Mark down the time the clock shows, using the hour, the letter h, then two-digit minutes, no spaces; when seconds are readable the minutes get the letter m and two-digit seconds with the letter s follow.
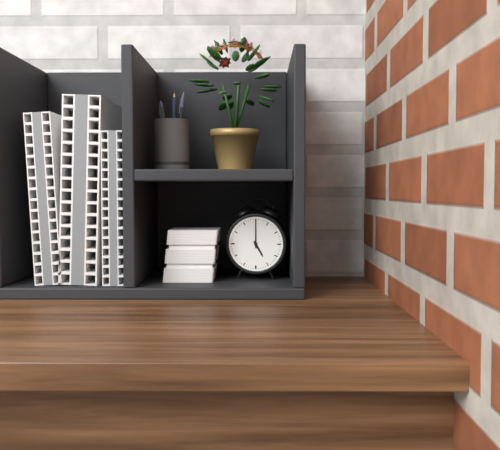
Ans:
5h00
